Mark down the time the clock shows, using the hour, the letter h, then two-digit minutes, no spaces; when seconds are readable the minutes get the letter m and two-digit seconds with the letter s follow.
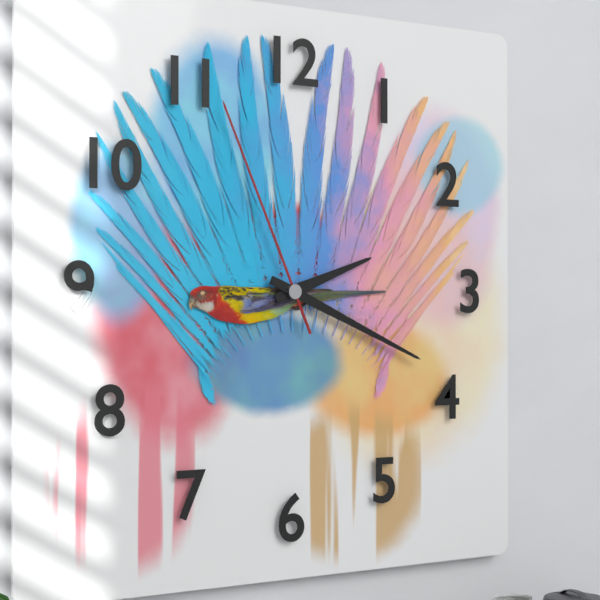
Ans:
2h19m56s
